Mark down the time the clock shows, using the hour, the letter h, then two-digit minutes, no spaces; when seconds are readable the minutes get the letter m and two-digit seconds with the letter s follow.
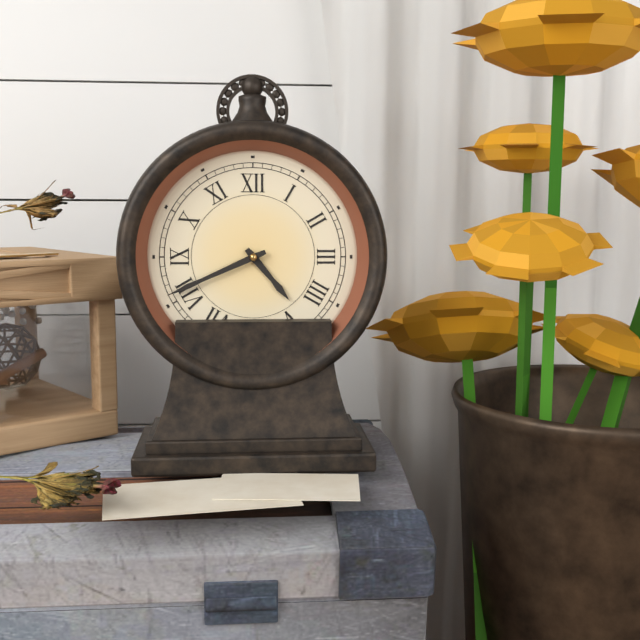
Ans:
4h41
